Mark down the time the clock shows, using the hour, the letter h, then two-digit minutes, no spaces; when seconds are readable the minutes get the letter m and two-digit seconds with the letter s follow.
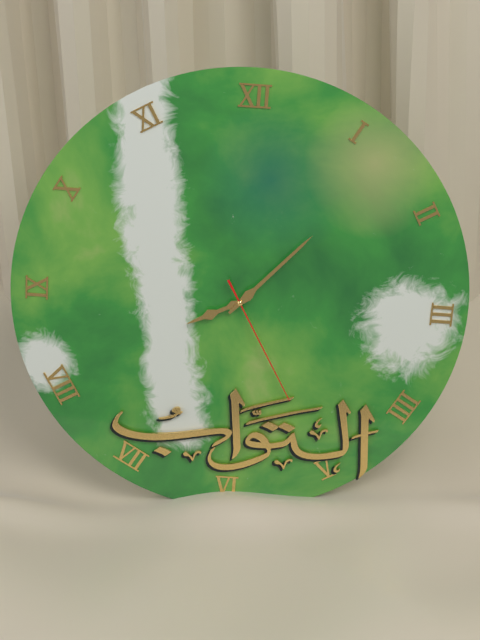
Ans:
8h07m25s
